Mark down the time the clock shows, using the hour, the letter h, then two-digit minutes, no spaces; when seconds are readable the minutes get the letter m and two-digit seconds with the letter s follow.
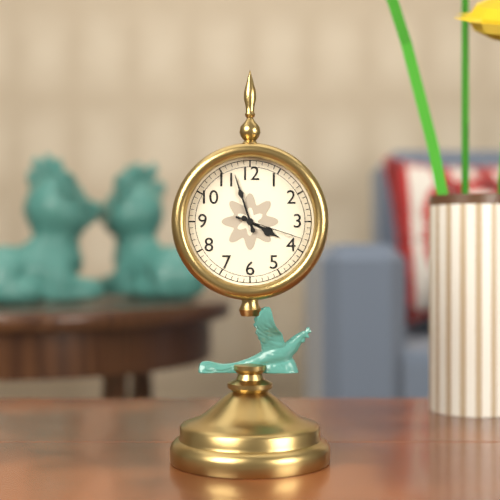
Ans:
3h57m18s
